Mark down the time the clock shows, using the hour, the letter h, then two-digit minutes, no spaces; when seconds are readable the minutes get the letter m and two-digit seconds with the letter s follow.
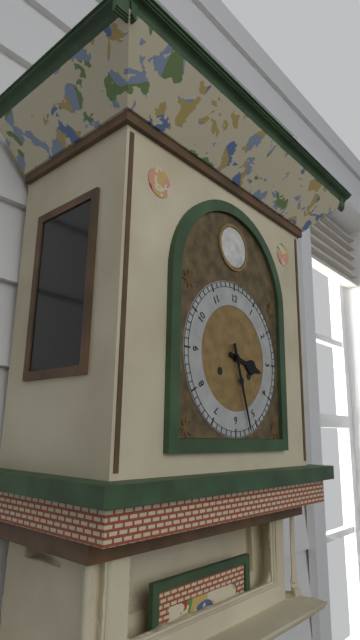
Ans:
3h27
